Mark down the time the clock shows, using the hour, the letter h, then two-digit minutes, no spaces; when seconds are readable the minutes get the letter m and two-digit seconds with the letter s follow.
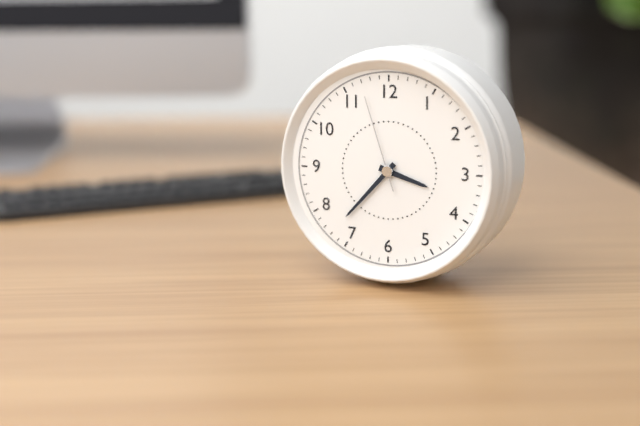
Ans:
3h37m57s
